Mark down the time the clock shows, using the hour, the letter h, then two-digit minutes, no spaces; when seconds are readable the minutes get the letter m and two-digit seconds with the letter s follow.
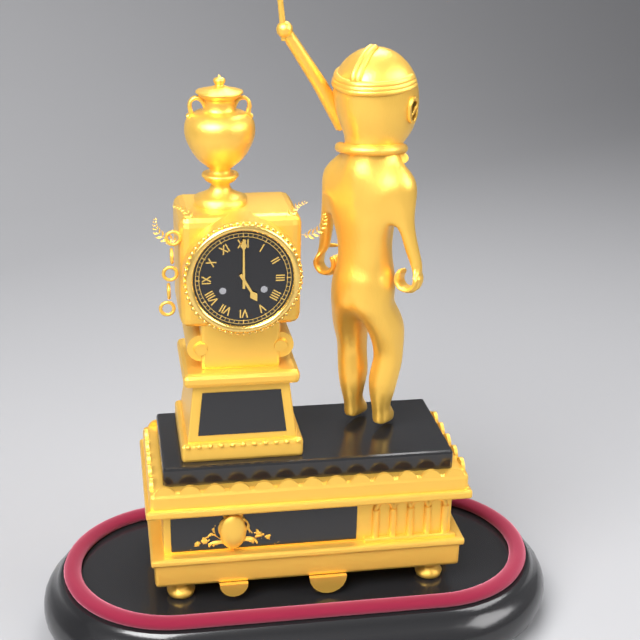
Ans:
5h00
